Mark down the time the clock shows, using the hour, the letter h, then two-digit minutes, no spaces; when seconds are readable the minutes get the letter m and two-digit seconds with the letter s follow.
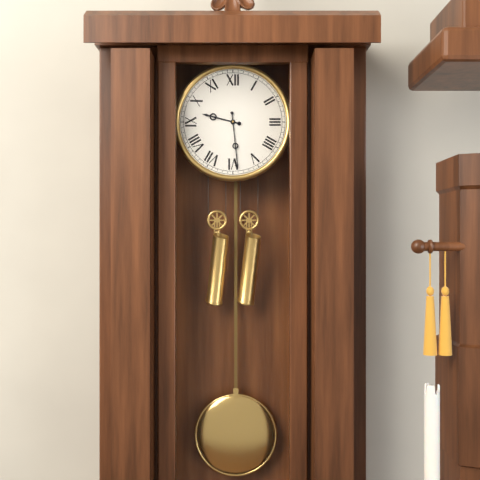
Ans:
9h29
